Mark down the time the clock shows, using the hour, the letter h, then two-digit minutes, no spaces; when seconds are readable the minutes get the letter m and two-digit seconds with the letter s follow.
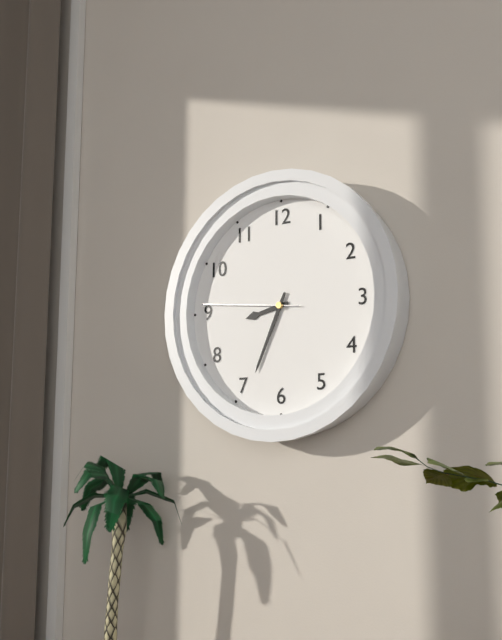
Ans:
8h34m46s
